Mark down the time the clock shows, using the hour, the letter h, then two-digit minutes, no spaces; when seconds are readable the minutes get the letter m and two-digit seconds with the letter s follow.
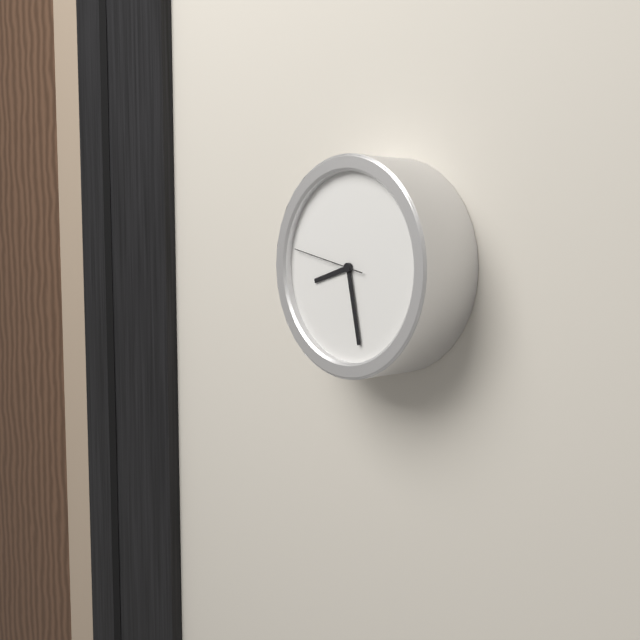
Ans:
8h28m47s
